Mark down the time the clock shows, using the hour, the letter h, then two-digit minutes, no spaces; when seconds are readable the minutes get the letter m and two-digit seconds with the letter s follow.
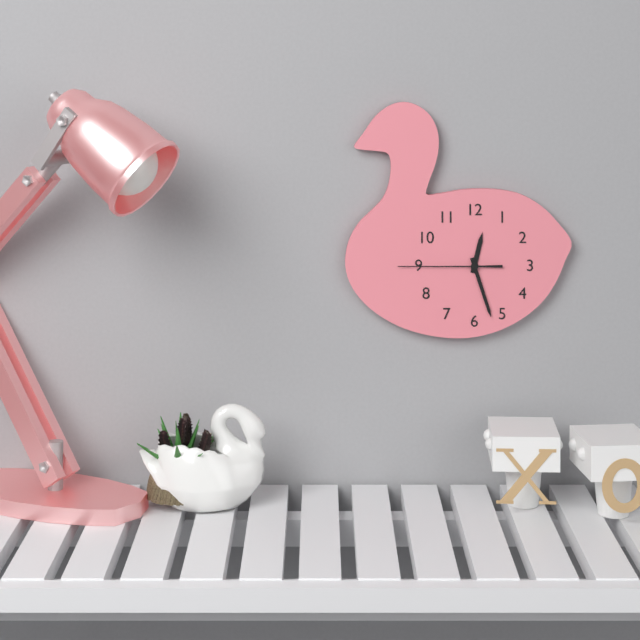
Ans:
12h27m45s
